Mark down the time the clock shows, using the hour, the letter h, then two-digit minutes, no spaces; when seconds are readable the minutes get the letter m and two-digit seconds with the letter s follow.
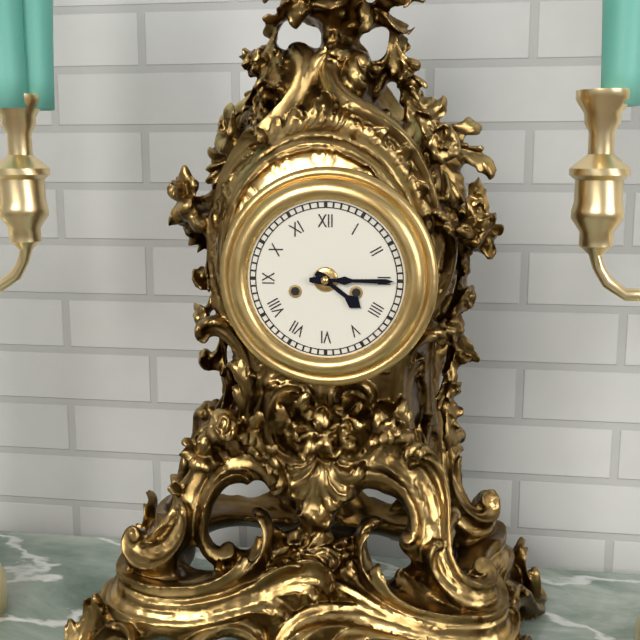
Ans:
4h15
